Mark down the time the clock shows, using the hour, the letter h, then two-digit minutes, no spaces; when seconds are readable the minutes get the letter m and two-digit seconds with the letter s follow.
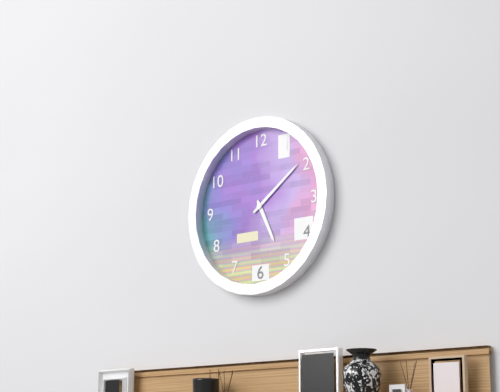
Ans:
5h09
